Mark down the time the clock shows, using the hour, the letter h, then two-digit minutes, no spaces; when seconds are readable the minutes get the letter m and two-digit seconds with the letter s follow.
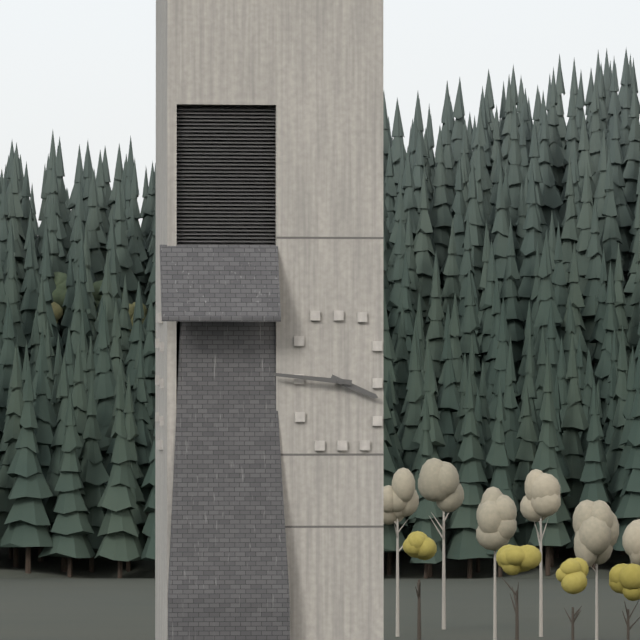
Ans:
3h46
